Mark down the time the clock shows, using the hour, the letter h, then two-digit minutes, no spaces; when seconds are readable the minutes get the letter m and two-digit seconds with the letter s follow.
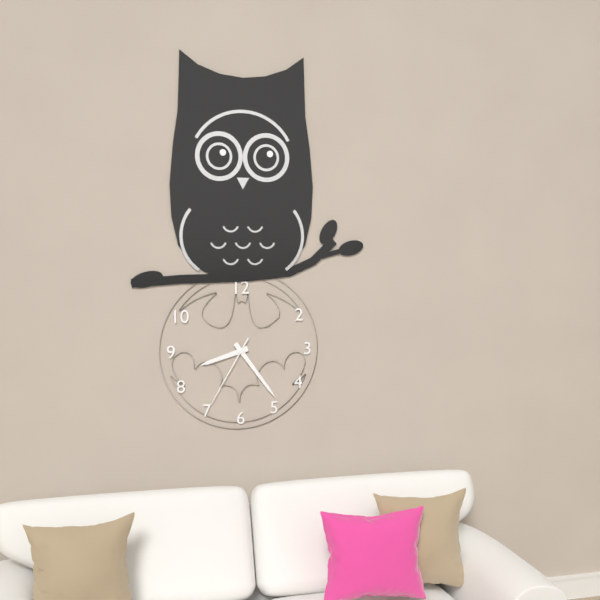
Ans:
8h24m35s
